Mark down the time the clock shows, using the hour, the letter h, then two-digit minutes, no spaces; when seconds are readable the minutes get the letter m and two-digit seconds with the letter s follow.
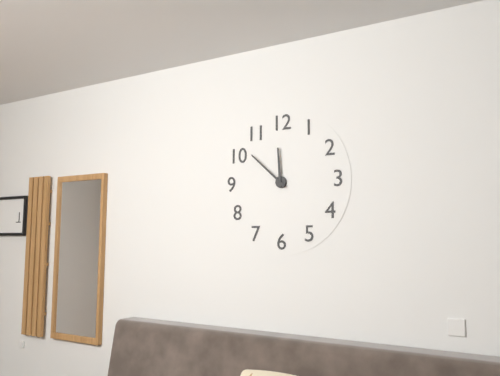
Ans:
11h52
